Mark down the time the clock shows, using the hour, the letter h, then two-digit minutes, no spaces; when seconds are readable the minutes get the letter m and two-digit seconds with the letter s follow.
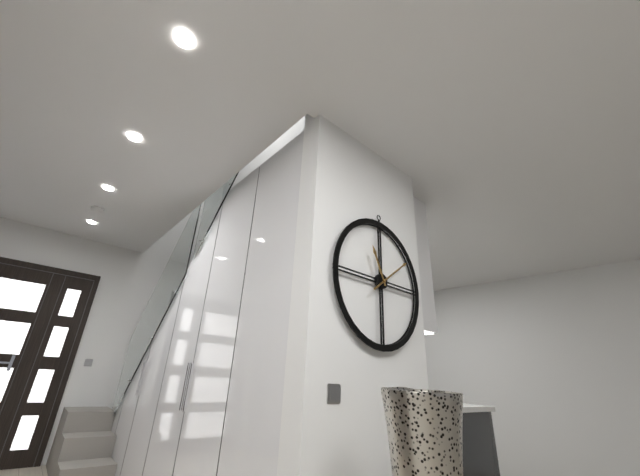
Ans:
11h09
